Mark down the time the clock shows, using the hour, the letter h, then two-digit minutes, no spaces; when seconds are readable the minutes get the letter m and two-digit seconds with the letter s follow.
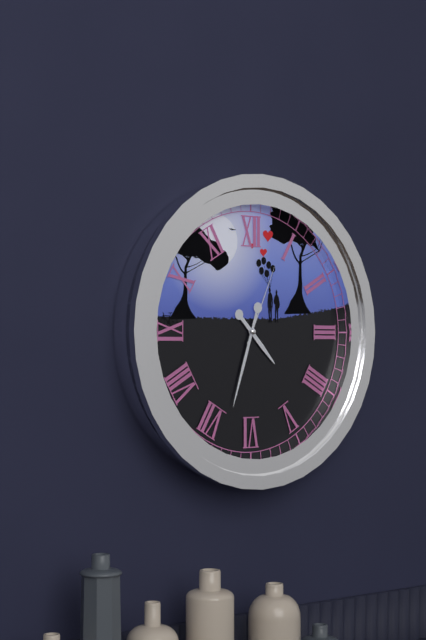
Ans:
4h33m04s
